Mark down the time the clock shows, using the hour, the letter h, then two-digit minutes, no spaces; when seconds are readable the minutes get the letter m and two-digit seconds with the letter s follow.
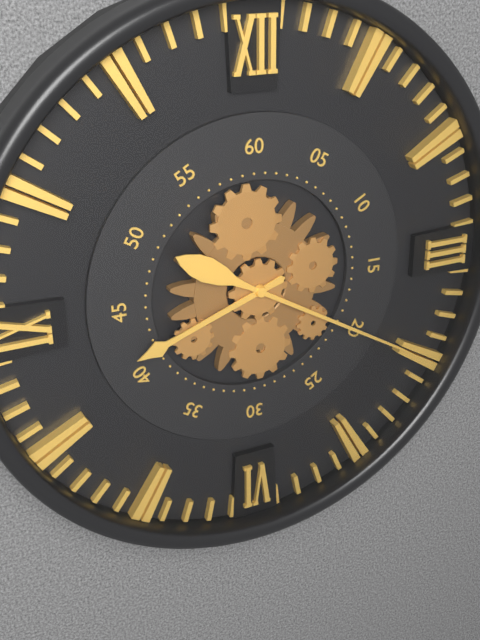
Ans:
8h20
